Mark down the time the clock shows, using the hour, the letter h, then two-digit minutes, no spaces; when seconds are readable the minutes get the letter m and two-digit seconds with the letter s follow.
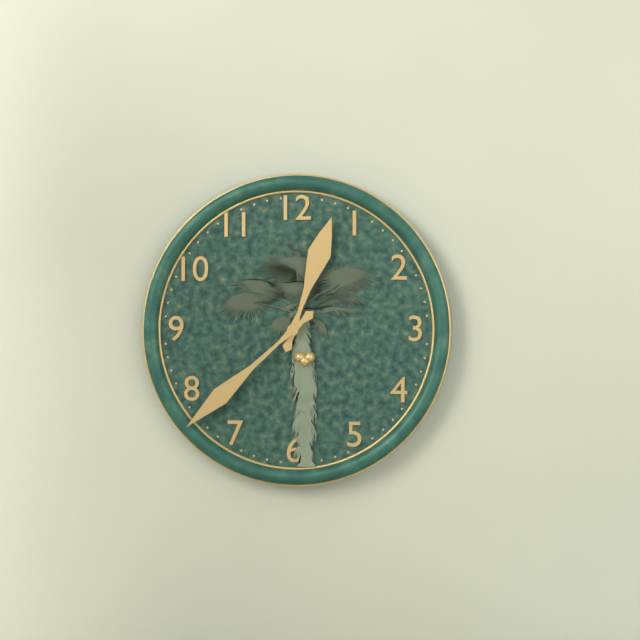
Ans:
12h38
